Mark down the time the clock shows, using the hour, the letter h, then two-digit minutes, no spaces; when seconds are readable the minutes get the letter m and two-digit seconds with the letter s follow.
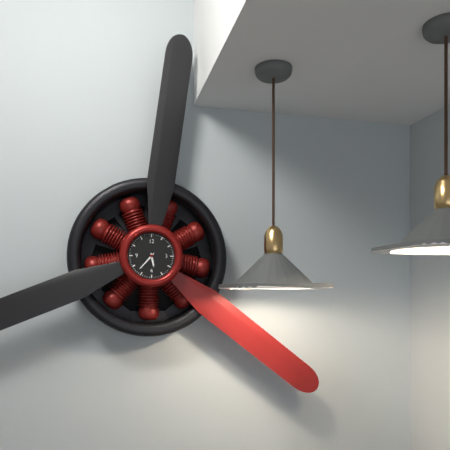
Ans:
5h37
